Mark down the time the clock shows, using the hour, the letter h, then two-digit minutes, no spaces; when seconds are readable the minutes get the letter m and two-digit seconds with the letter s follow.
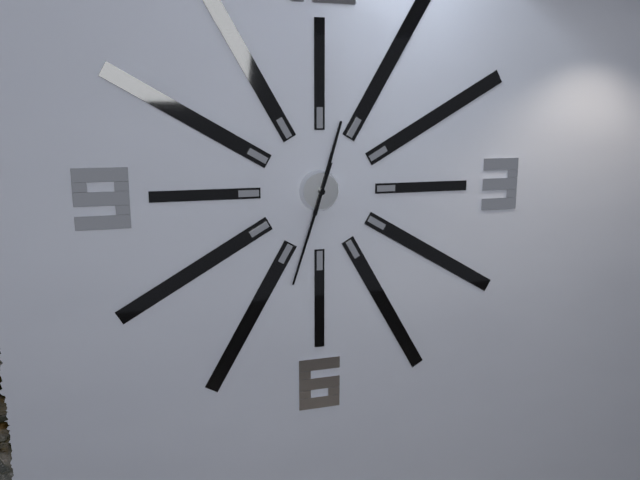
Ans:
12h33
